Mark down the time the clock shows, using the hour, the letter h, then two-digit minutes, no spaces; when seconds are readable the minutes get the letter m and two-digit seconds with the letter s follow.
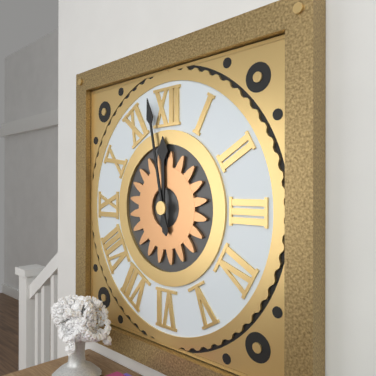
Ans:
11h58
